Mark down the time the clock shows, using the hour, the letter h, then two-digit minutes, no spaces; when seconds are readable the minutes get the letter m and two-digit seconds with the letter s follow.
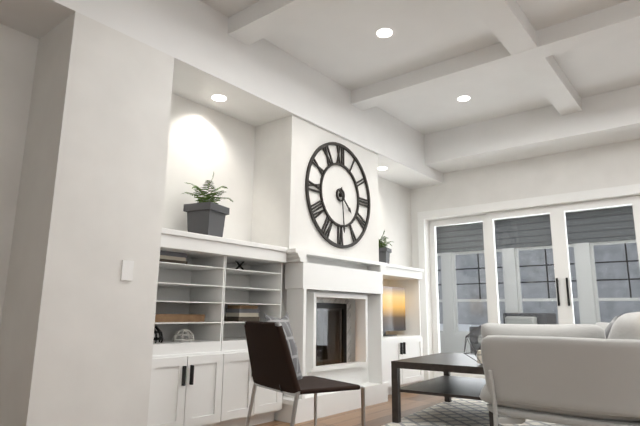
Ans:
4h29
